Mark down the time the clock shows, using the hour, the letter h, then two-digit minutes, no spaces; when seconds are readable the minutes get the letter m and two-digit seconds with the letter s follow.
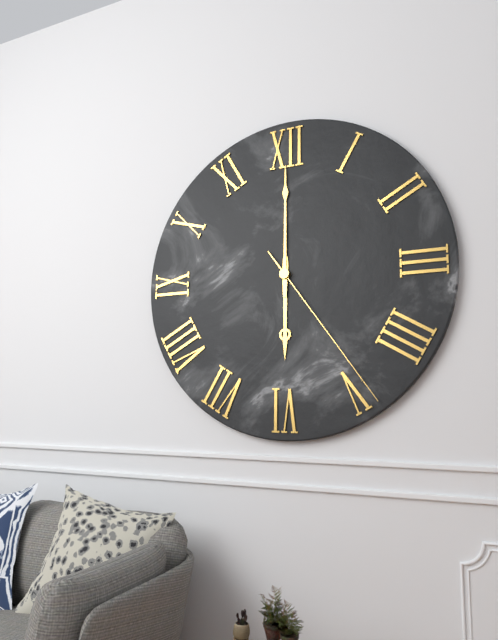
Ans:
6h00m24s
